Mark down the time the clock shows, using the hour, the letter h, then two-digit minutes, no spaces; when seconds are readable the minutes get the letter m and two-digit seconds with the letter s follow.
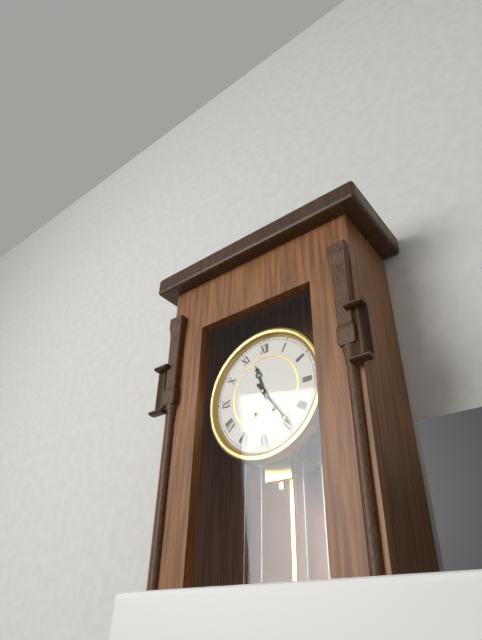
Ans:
11h24
